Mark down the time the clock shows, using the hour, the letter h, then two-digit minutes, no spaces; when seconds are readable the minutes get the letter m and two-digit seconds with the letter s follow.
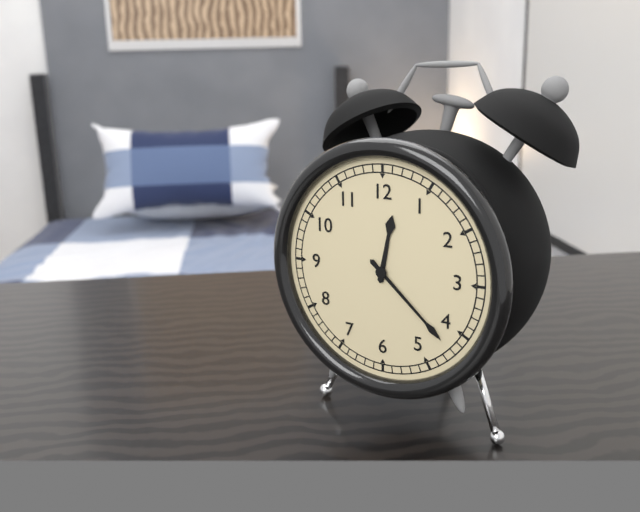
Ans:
12h22
